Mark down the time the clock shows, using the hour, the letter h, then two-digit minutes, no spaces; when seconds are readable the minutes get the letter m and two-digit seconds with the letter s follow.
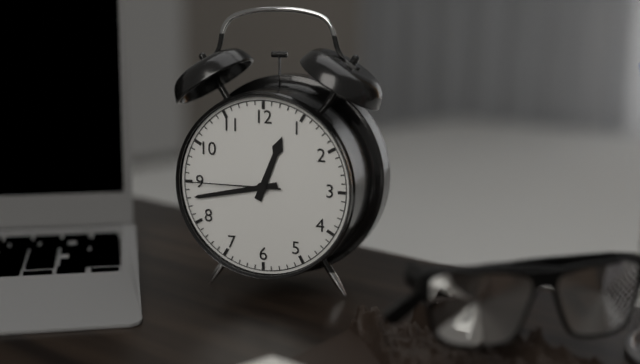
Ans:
12h43m45s
